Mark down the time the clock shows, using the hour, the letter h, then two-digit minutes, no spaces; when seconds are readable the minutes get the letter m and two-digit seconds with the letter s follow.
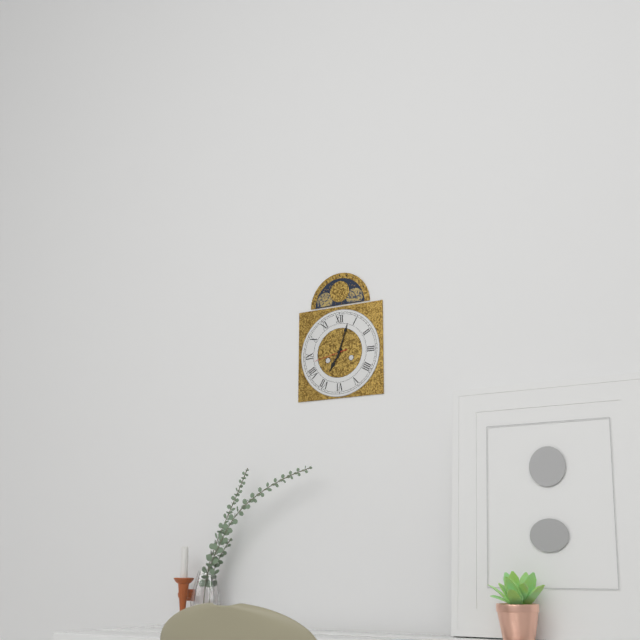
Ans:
7h03
